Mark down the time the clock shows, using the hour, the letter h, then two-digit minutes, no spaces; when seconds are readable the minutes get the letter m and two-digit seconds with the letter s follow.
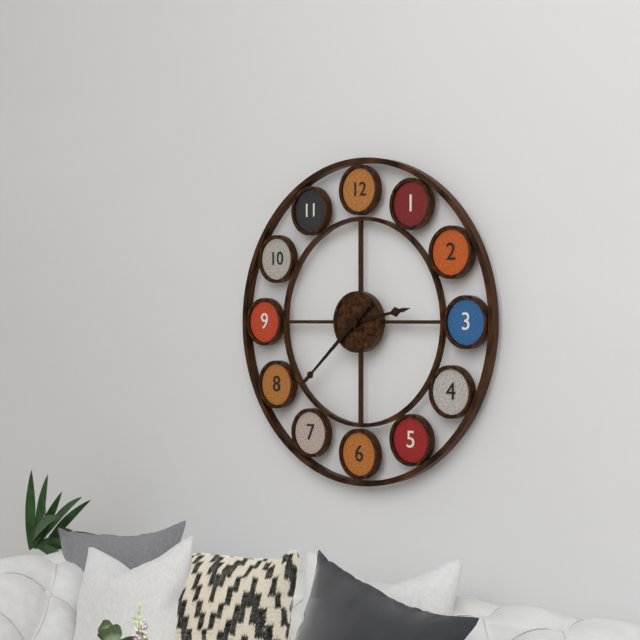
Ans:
2h38
